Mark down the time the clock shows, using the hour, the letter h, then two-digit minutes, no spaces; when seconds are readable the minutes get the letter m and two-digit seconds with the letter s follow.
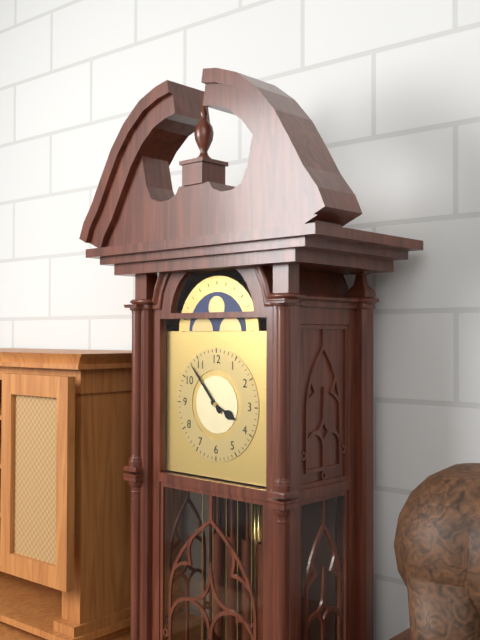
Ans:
3h53
